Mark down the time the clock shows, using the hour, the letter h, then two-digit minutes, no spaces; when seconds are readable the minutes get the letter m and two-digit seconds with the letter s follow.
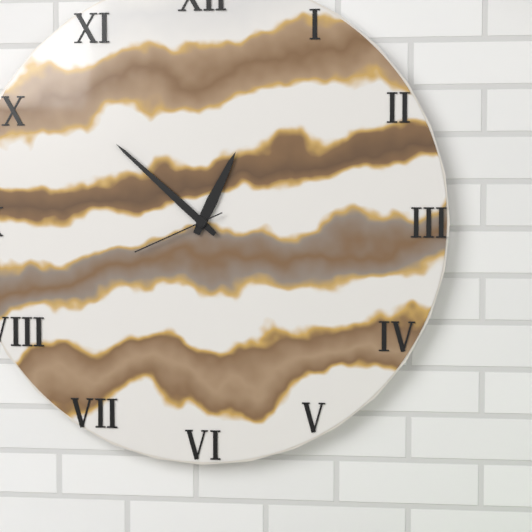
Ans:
12h52m41s
